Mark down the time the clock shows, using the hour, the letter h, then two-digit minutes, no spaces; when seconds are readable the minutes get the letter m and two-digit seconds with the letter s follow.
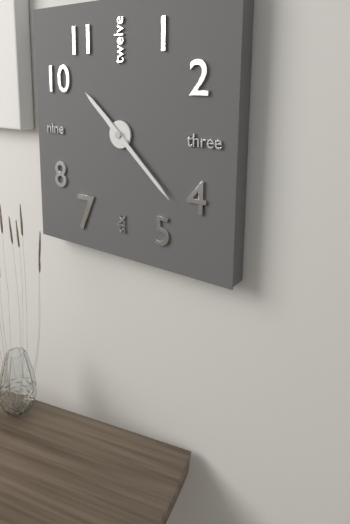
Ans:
10h22
